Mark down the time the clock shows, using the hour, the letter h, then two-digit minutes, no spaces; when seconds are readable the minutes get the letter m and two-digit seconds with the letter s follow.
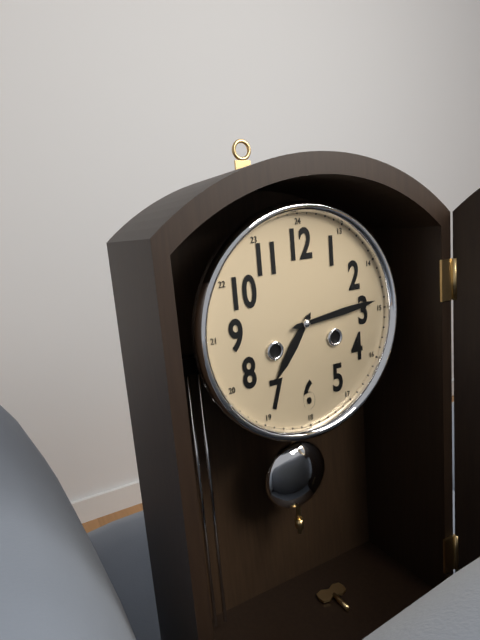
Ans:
7h14
